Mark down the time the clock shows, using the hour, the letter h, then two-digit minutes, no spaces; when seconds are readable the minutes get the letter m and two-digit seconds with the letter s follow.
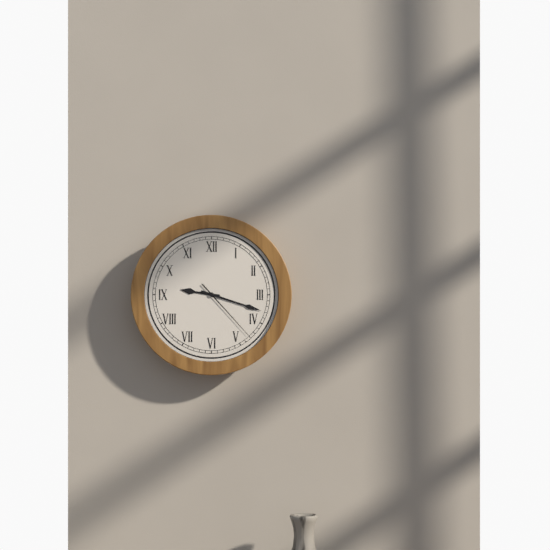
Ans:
9h18m23s
